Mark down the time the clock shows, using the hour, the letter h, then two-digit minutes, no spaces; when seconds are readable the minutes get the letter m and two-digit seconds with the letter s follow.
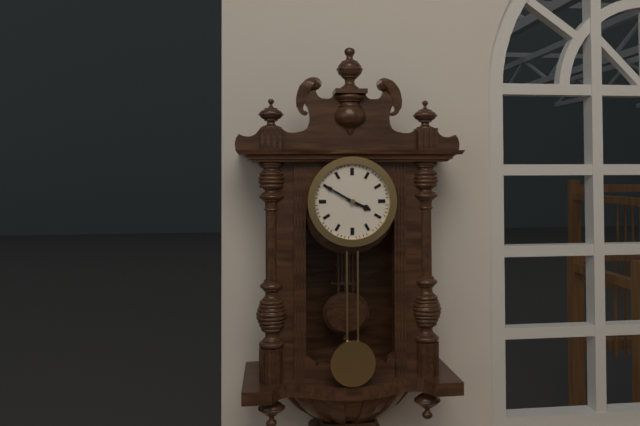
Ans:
3h50
